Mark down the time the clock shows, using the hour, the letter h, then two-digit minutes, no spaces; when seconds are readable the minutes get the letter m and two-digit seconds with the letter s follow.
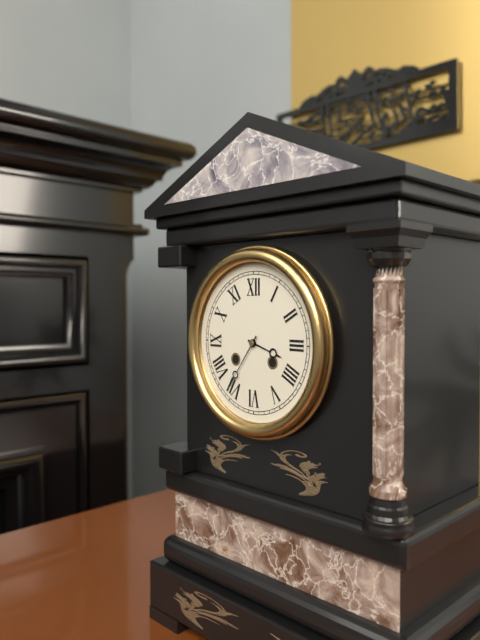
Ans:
3h36
